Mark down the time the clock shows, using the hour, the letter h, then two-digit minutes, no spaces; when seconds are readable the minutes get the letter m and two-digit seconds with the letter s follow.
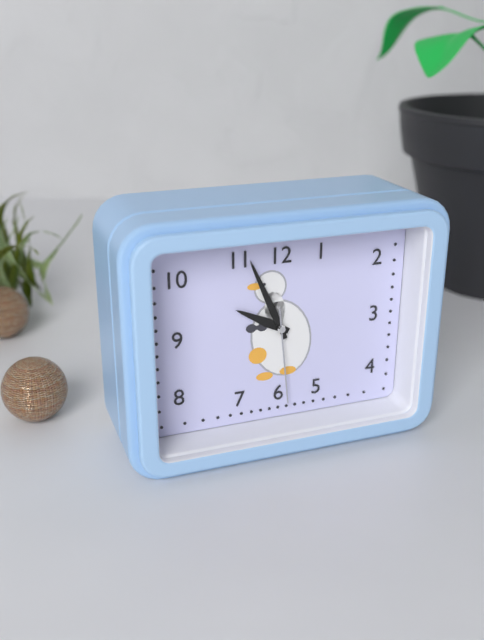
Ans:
9h56m29s
